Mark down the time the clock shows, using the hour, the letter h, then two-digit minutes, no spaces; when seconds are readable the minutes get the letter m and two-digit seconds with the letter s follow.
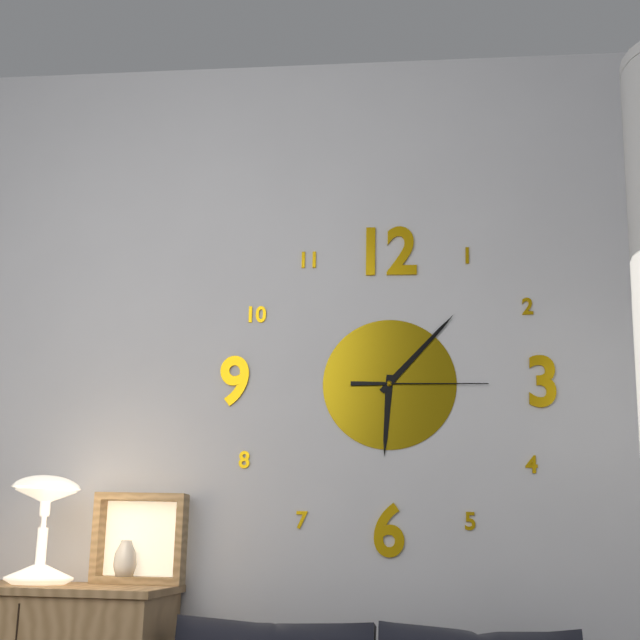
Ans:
6h07m15s
